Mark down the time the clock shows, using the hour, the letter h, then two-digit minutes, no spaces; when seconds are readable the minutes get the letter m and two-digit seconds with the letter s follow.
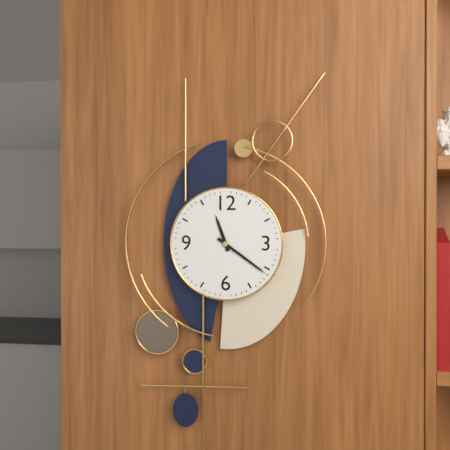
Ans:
11h21
